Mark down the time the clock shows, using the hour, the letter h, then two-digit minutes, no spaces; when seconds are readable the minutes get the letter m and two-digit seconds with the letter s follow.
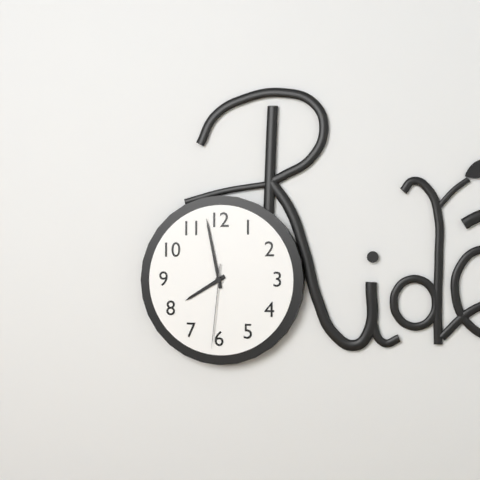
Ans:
7h58m31s
